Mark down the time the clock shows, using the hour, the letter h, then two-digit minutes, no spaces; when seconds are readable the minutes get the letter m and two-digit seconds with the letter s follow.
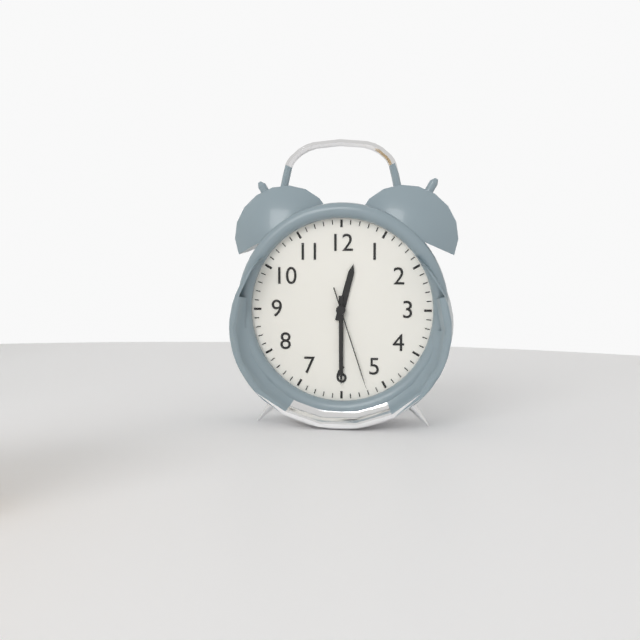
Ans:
12h30m27s
